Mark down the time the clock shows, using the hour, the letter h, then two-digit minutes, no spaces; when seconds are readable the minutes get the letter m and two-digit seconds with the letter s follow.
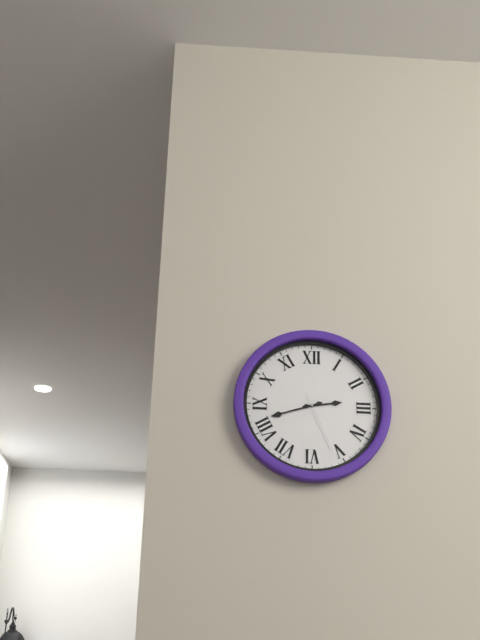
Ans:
2h42m26s
